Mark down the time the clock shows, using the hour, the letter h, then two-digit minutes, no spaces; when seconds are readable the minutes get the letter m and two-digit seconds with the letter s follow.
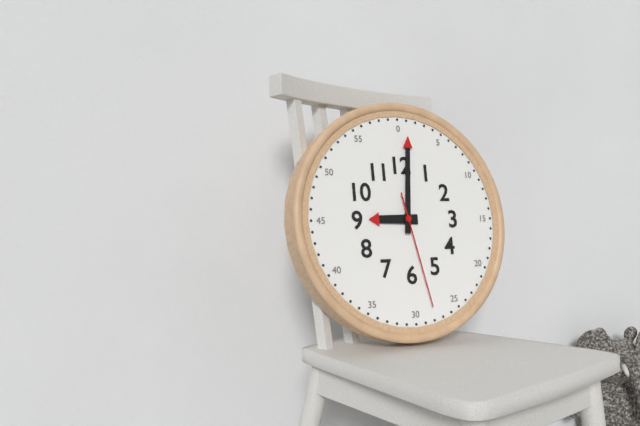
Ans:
9h01m28s
